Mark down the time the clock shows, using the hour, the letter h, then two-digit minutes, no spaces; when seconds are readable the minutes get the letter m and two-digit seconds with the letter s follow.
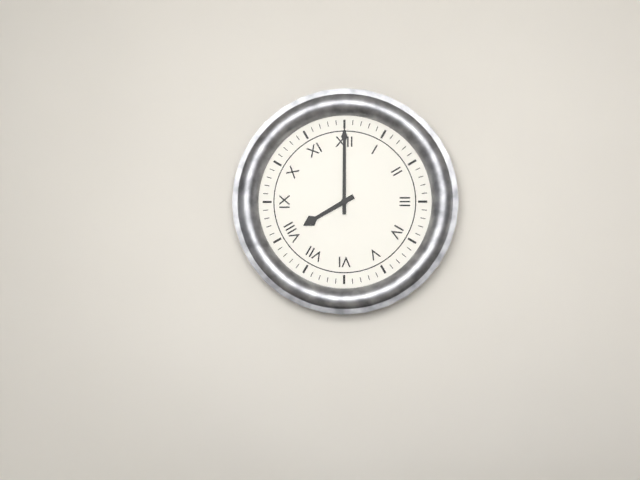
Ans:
8h00
